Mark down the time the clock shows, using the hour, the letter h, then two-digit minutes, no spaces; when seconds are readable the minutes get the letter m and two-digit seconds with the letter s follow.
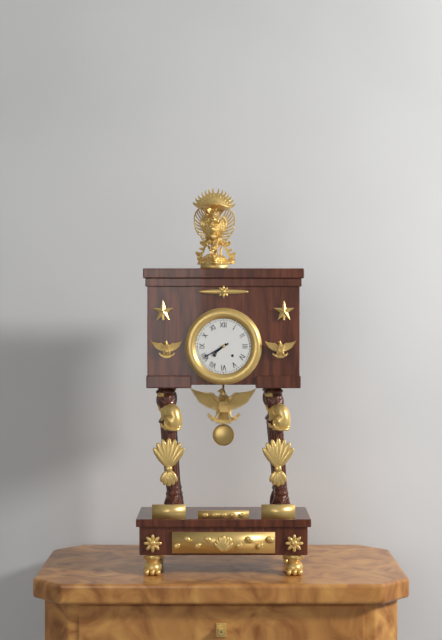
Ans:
7h40
